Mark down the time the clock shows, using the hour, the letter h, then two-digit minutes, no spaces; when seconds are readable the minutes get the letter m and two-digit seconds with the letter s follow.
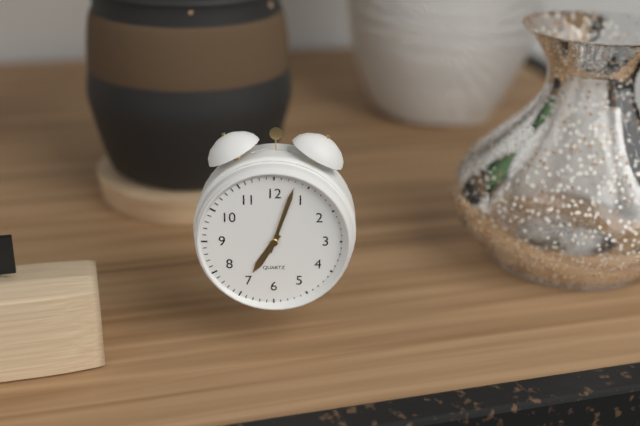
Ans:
7h03
